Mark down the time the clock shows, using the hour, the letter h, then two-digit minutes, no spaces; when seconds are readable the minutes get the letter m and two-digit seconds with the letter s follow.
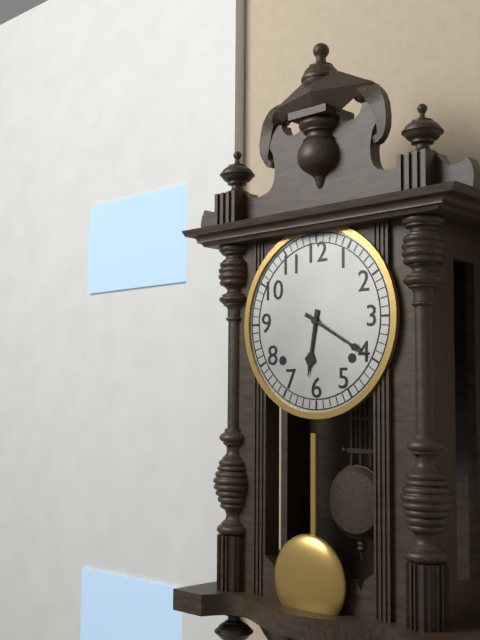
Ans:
6h20
